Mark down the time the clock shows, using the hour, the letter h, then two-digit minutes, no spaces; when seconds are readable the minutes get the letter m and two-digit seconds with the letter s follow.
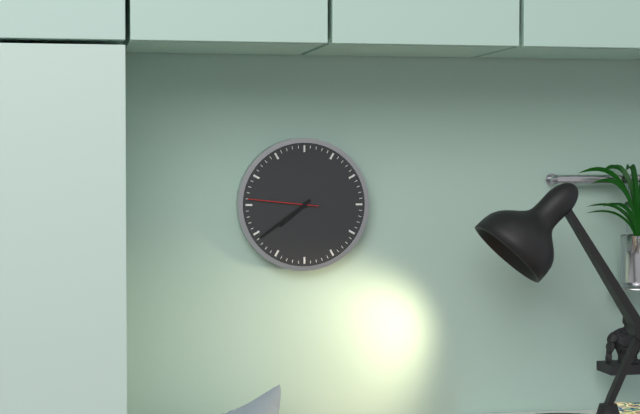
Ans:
7h39m46s
